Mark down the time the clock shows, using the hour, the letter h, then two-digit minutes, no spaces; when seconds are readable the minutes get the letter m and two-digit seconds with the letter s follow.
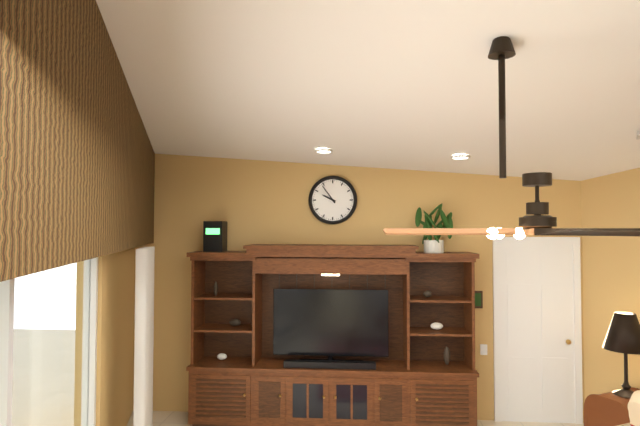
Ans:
9h54
